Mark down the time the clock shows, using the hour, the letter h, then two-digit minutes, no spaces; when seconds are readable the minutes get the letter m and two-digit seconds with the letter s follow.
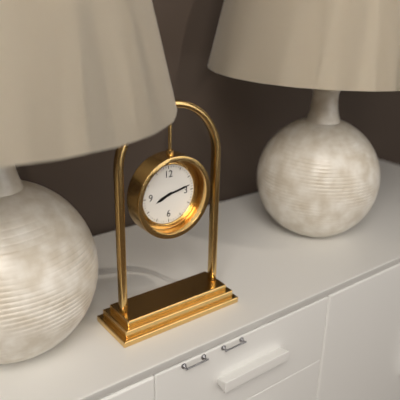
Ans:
8h13
